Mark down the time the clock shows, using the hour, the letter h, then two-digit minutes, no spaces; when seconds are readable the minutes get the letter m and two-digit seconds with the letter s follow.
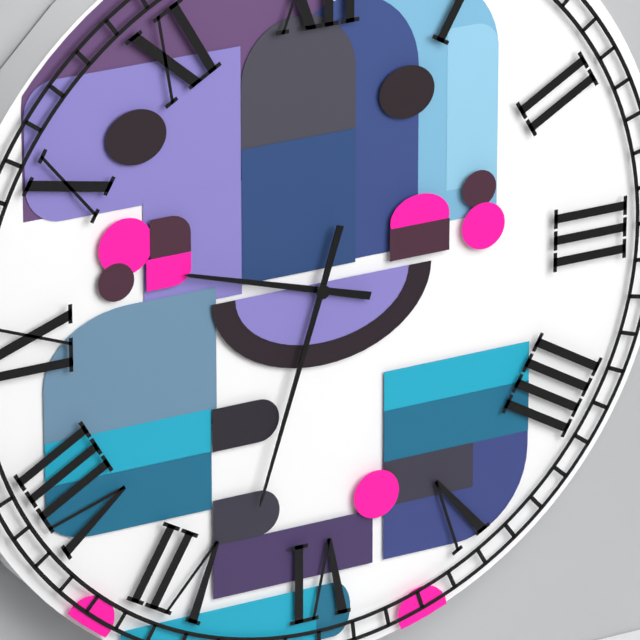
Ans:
9h33
